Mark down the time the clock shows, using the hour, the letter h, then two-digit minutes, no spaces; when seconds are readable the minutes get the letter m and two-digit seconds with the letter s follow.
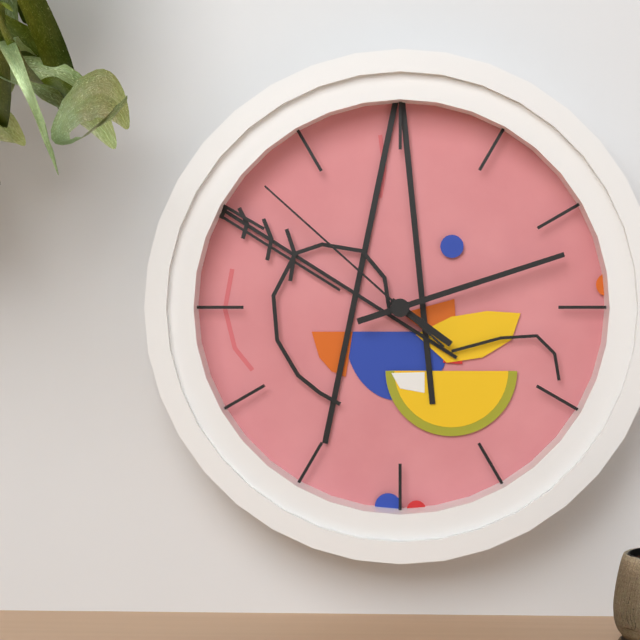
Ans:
4h12m52s
